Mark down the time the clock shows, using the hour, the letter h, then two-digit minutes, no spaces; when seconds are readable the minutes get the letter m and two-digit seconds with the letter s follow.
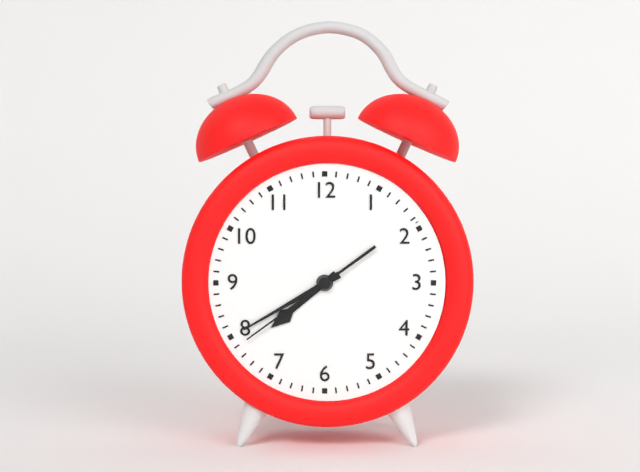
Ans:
7h40m39s
